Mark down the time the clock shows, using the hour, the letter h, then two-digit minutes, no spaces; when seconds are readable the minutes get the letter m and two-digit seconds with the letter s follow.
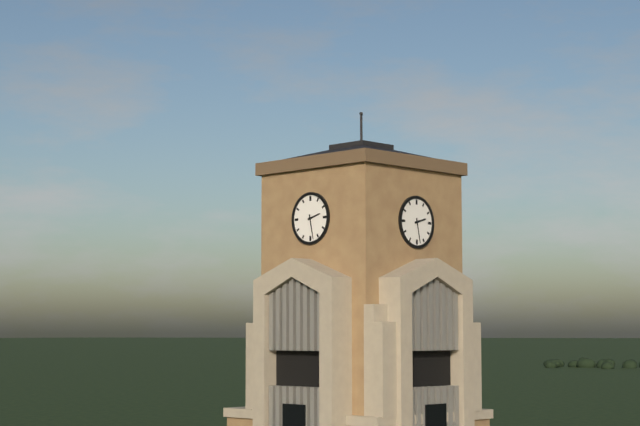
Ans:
2h28
